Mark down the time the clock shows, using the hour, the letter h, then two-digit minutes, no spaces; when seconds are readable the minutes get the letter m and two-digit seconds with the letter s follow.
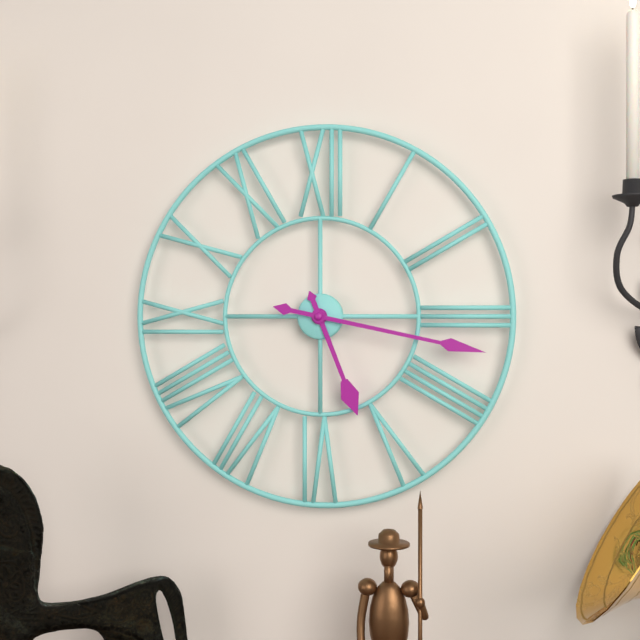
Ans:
5h17
